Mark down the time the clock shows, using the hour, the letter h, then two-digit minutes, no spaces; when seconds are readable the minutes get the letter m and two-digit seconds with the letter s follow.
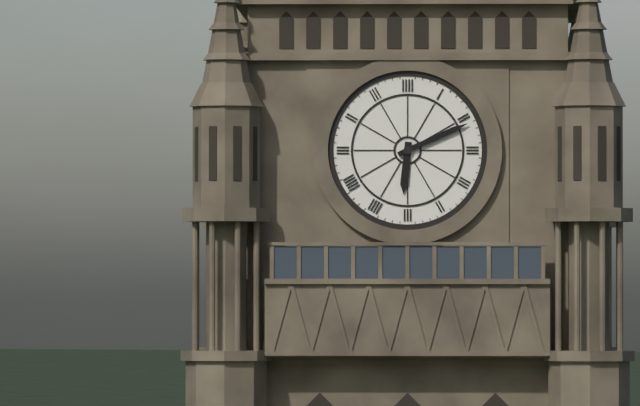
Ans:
6h11
